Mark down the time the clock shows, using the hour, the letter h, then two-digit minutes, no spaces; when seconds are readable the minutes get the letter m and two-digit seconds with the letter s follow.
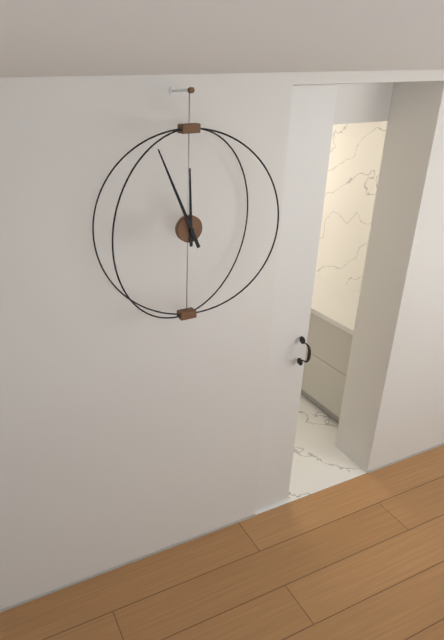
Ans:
11h56
